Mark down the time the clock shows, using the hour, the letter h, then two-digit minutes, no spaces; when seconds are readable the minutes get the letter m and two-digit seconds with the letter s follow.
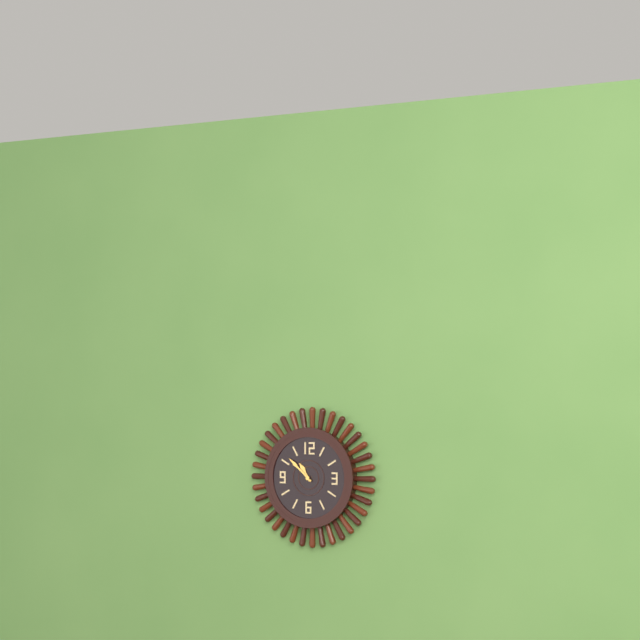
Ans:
10h52
